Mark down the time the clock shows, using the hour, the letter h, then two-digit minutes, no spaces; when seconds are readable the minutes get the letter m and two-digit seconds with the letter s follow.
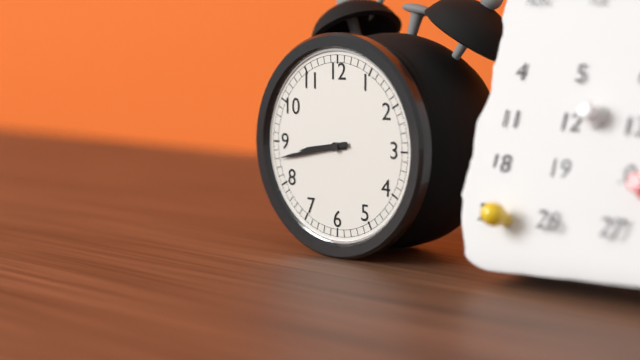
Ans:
8h43
